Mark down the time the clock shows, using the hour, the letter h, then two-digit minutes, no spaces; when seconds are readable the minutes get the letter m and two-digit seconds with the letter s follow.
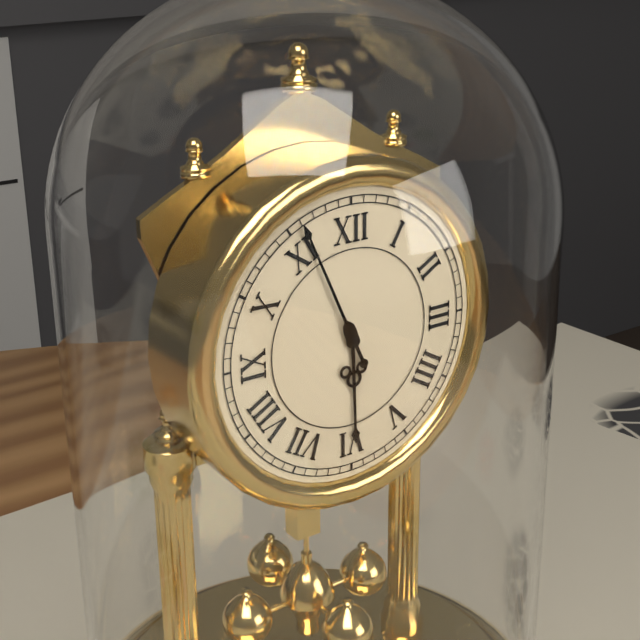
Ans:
5h56
